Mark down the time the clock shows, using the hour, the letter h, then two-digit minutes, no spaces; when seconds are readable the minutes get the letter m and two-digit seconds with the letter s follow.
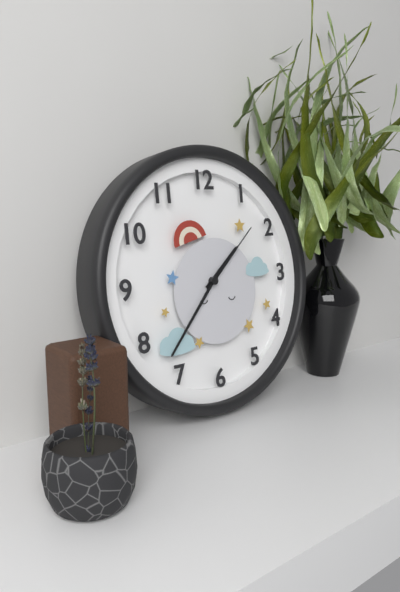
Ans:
1h37m08s
